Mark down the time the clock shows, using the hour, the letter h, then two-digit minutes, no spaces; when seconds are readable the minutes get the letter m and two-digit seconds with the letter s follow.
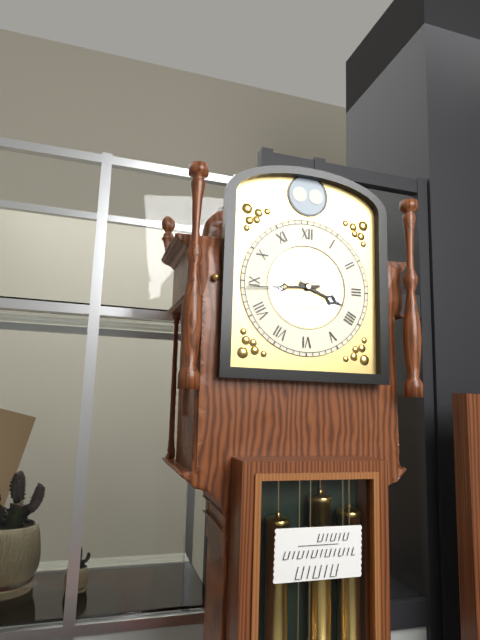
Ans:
3h44
